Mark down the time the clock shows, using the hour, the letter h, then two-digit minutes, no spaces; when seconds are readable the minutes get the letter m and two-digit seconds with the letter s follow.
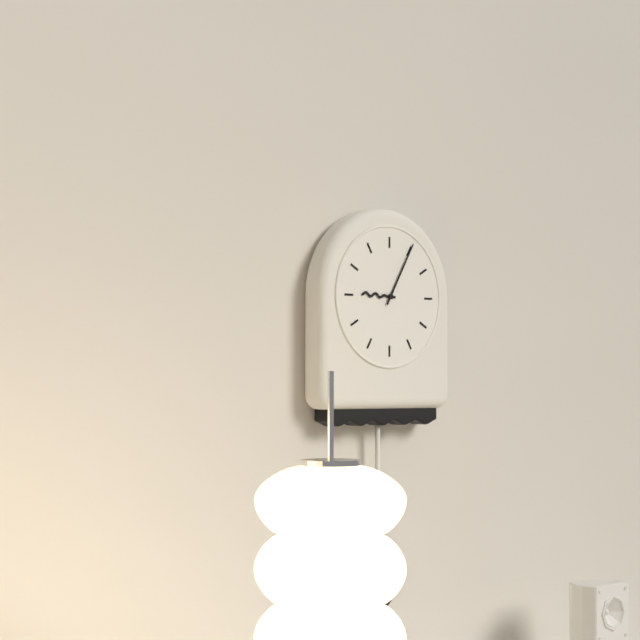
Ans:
9h05
